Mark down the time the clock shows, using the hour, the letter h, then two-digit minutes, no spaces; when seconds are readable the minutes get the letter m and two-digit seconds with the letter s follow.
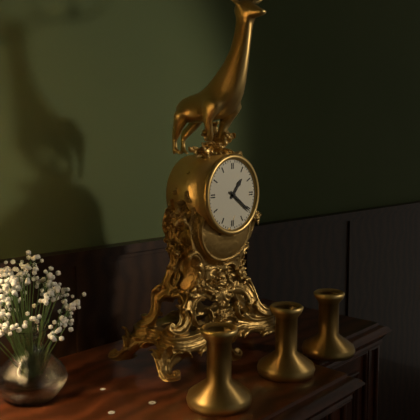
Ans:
1h21
